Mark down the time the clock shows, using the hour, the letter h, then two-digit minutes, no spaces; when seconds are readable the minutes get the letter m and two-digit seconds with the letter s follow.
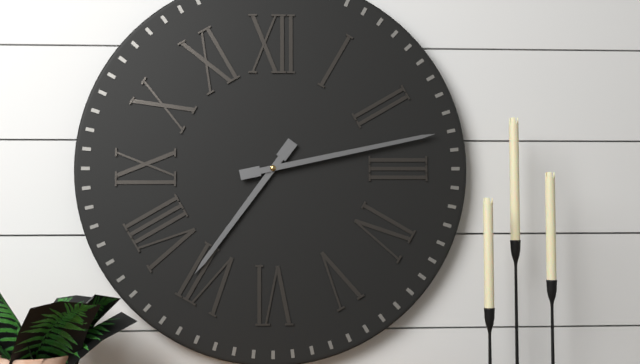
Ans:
7h13
